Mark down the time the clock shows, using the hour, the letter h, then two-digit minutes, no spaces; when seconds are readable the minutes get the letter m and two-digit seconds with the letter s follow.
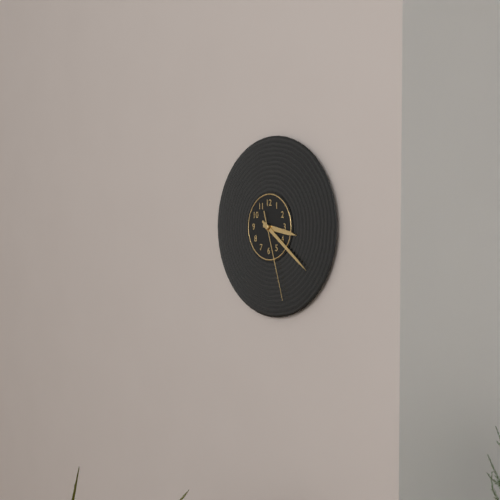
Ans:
3h21m27s
